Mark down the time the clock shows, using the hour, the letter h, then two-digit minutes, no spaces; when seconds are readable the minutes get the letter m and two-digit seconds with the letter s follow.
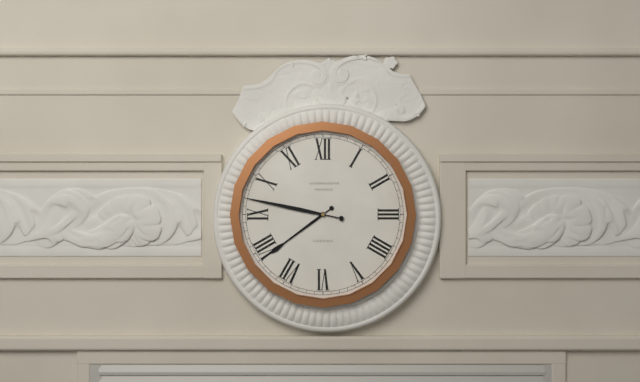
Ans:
7h47
